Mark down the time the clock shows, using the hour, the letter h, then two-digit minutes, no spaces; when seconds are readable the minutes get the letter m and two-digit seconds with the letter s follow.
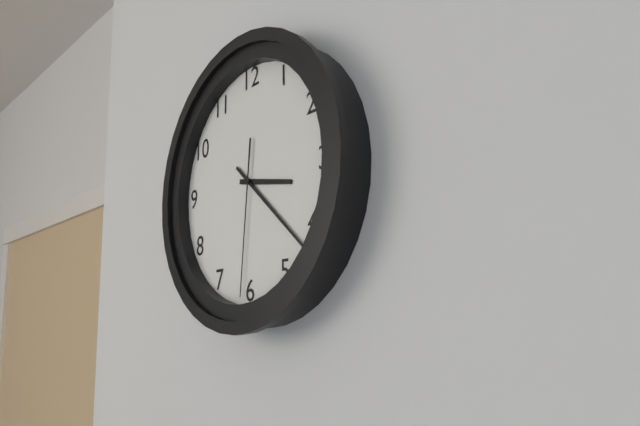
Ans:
3h22m31s
